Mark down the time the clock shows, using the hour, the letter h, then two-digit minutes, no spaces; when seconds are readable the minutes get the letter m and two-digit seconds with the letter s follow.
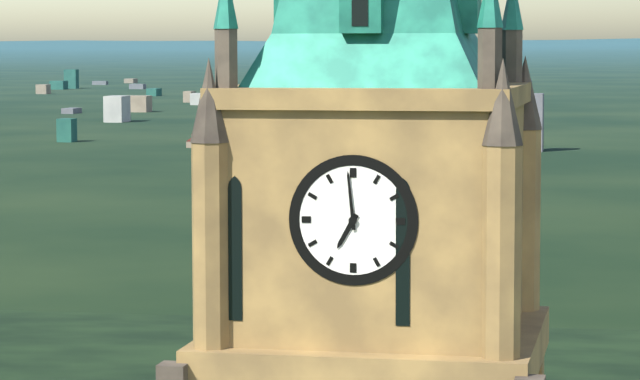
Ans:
6h59
